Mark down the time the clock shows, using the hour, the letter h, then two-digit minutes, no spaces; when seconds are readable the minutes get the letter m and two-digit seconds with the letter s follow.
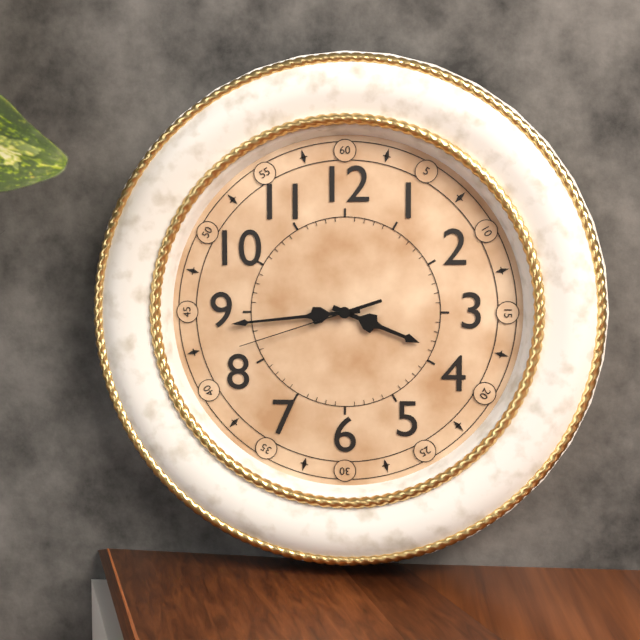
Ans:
3h44m42s
